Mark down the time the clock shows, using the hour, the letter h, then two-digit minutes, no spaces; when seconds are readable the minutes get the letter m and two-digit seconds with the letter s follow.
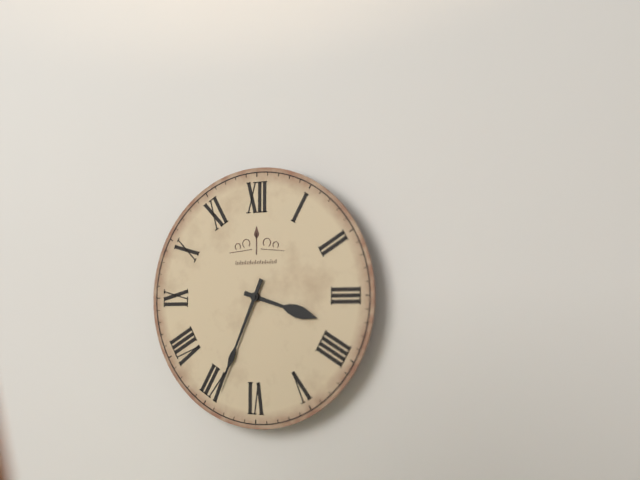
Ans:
3h34
